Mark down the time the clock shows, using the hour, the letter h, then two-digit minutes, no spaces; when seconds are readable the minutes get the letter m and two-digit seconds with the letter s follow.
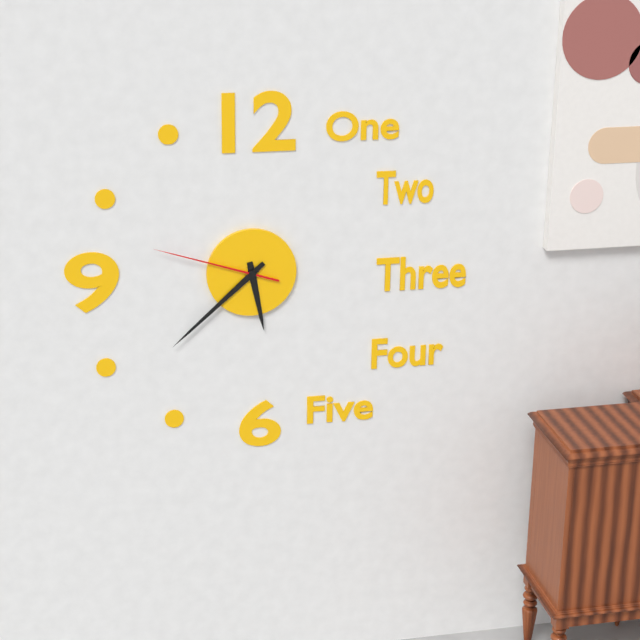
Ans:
5h38m48s
